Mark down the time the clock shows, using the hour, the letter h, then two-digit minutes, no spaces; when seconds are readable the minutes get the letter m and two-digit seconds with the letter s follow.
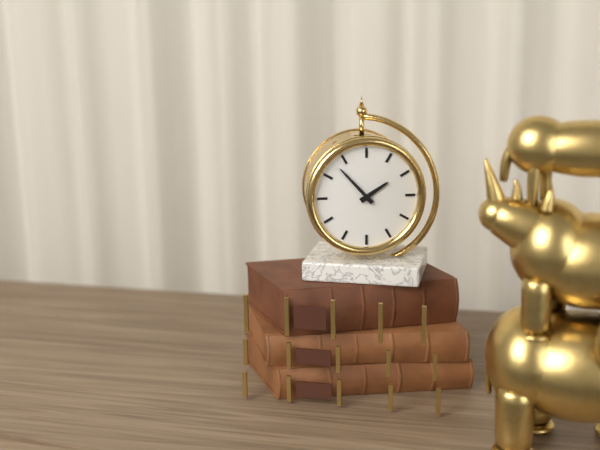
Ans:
1h53
